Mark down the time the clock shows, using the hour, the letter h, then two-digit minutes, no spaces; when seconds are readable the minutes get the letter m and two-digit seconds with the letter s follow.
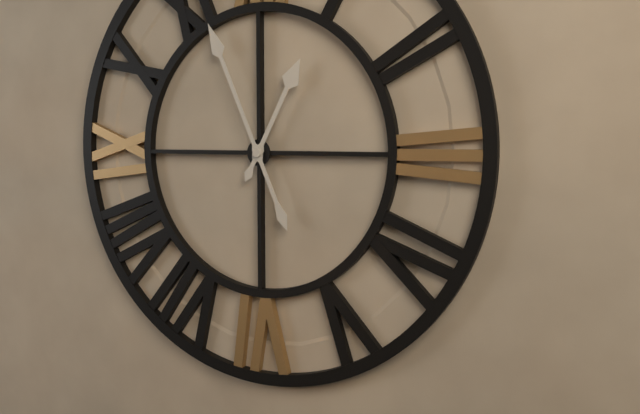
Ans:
12h56
